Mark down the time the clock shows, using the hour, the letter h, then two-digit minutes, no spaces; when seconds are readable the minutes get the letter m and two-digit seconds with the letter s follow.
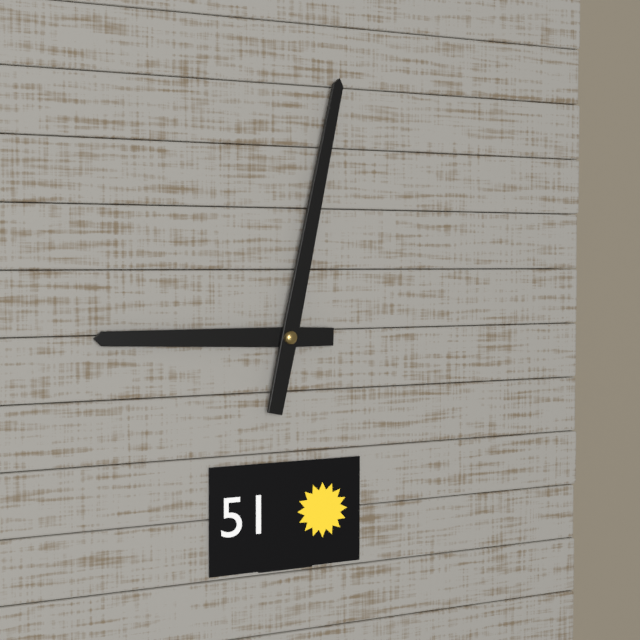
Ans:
9h02
